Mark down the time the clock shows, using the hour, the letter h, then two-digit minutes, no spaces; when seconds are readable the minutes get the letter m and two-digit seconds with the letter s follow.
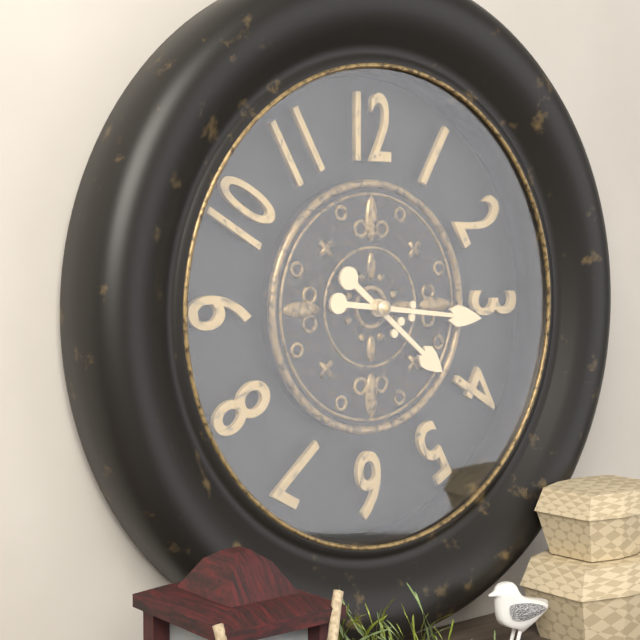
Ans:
4h16
